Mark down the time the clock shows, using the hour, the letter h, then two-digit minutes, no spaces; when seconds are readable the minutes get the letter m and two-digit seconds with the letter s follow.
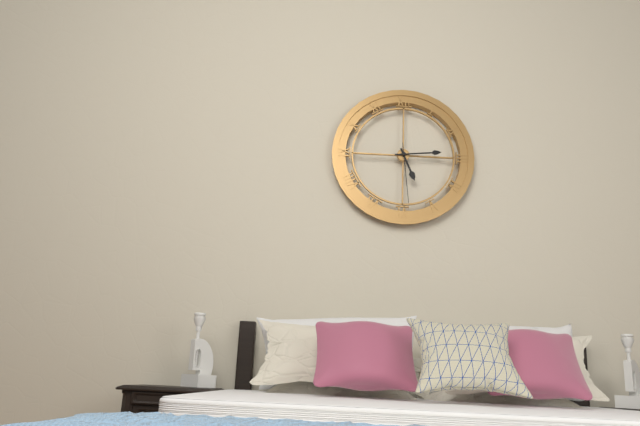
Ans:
5h14m29s
